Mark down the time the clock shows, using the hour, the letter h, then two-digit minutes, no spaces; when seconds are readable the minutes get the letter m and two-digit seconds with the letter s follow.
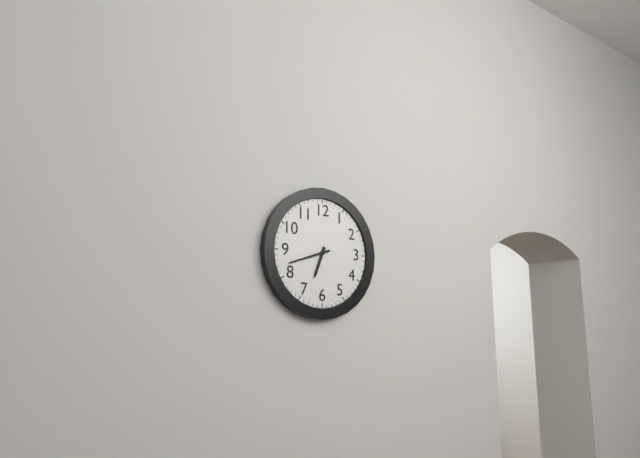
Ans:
6h42
